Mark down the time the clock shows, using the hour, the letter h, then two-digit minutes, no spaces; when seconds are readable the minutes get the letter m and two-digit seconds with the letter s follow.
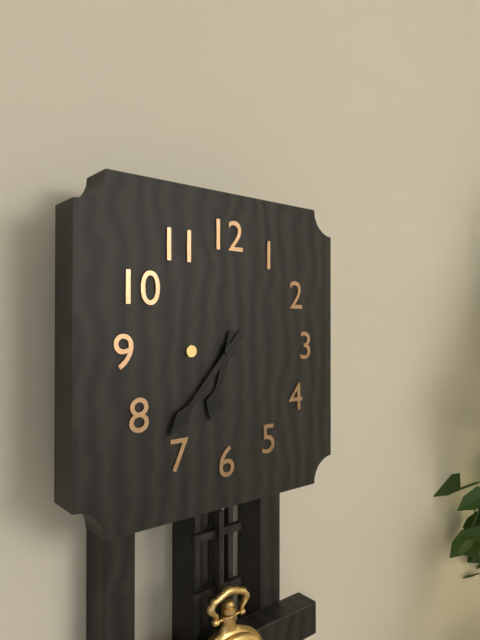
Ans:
6h37
